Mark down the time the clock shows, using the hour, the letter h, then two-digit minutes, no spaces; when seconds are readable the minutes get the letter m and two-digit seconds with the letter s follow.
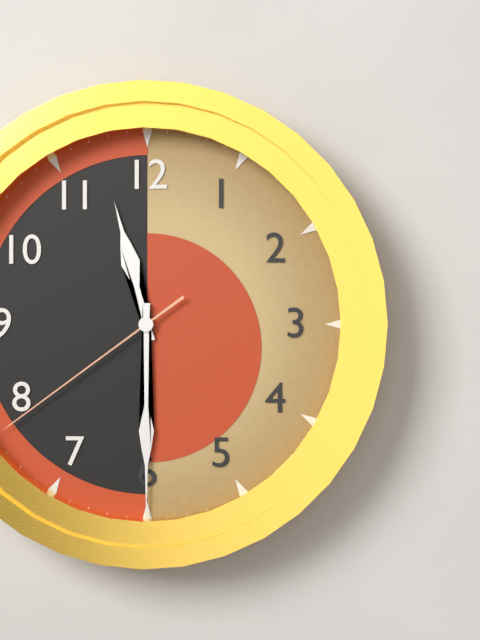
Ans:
11h30m39s
